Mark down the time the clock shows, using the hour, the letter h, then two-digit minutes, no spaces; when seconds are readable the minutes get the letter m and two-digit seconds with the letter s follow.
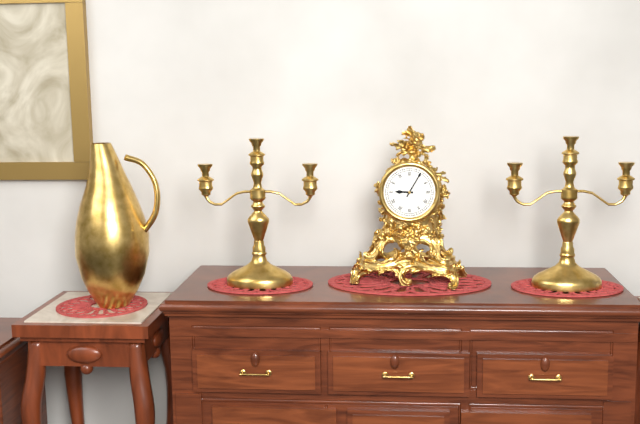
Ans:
9h05
